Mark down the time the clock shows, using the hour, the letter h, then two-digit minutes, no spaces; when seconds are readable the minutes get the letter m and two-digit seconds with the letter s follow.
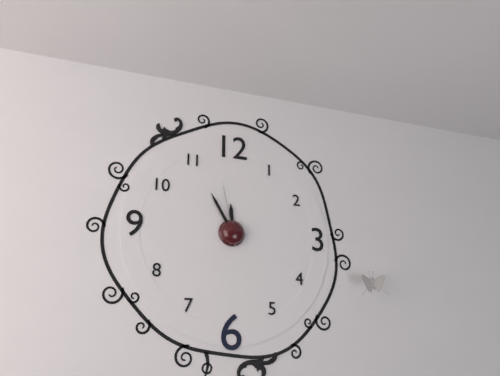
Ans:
11h55m58s
